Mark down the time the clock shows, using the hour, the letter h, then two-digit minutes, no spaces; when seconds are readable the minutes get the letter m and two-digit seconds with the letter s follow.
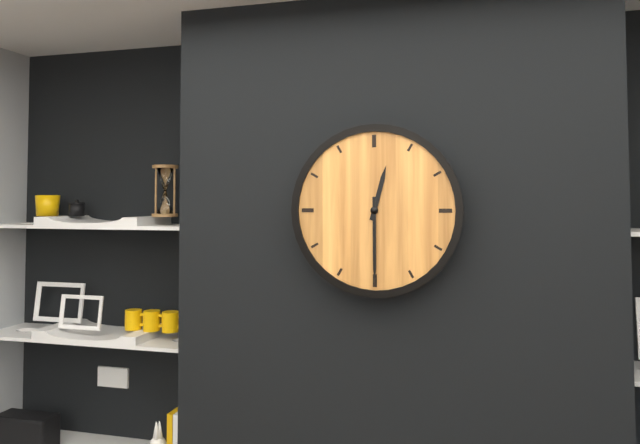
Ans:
12h30
